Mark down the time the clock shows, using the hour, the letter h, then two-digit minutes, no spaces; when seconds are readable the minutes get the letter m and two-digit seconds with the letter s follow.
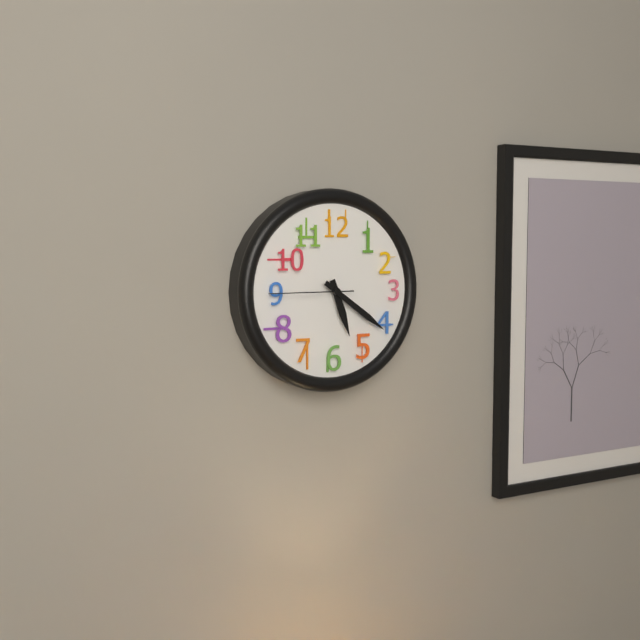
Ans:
5h21m45s
